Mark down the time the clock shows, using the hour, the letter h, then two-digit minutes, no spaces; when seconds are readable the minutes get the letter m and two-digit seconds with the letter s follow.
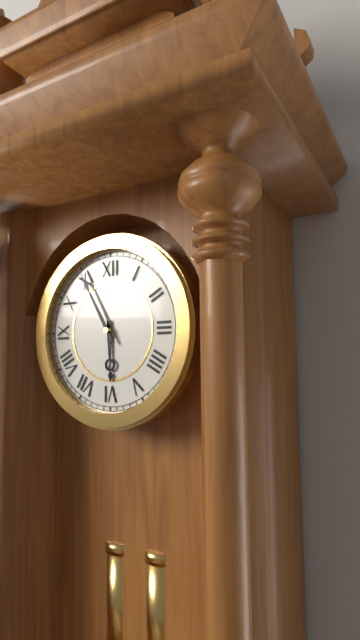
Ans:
5h55
